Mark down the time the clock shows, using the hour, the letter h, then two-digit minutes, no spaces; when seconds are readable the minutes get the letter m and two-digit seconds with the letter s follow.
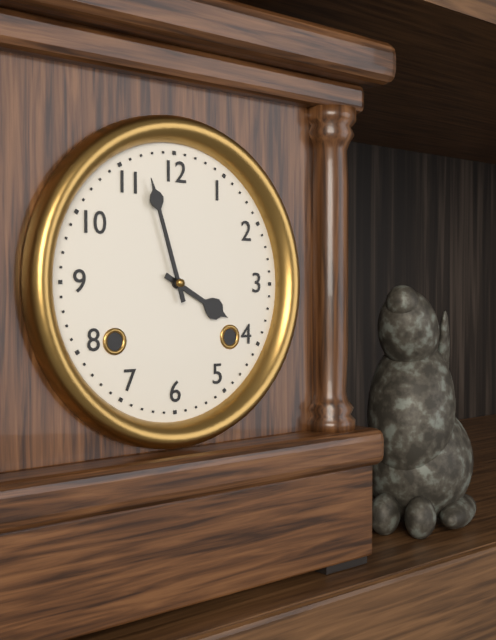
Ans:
3h57
